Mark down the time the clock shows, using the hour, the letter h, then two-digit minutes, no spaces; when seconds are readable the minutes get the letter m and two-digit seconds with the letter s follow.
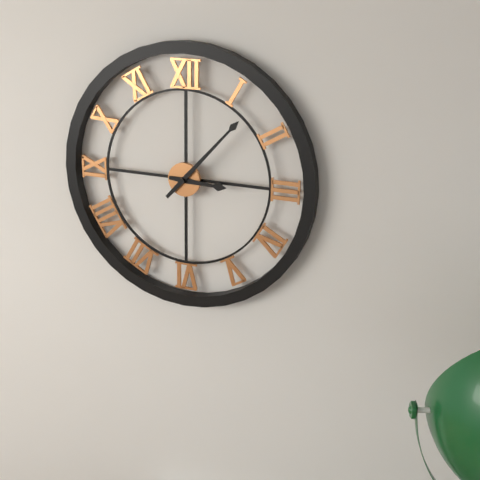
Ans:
3h07
